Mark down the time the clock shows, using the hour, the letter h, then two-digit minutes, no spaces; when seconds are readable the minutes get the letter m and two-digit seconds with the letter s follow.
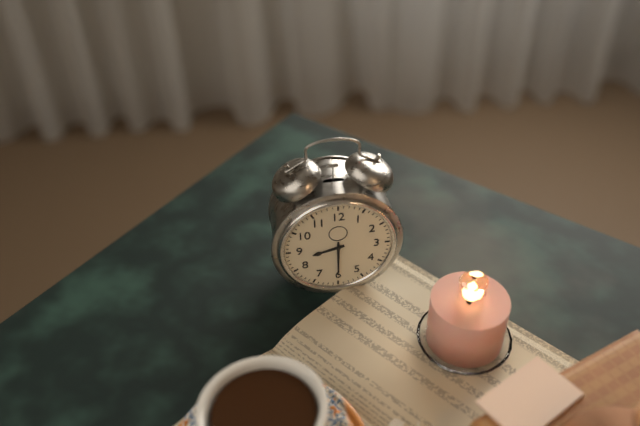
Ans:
8h30
